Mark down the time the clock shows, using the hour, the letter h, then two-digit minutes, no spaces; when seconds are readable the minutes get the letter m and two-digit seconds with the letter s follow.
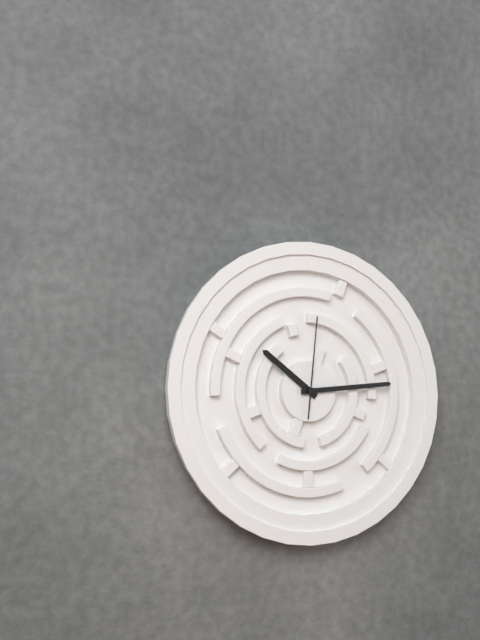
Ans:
10h14m01s
